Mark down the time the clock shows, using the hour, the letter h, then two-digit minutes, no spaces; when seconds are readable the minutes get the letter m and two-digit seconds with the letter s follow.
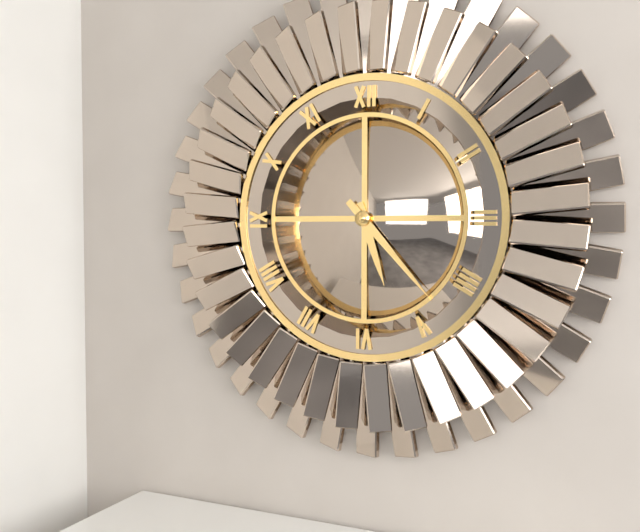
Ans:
5h23
